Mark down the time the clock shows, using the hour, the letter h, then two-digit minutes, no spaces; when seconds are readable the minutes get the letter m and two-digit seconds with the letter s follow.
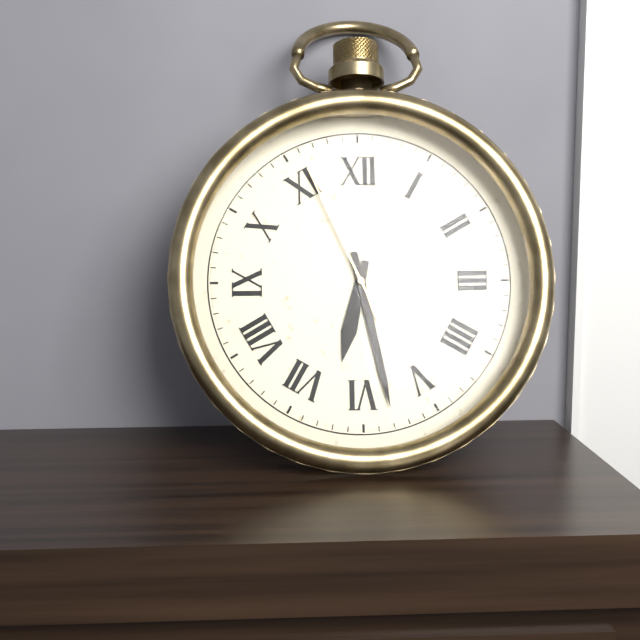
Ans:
6h28m56s
